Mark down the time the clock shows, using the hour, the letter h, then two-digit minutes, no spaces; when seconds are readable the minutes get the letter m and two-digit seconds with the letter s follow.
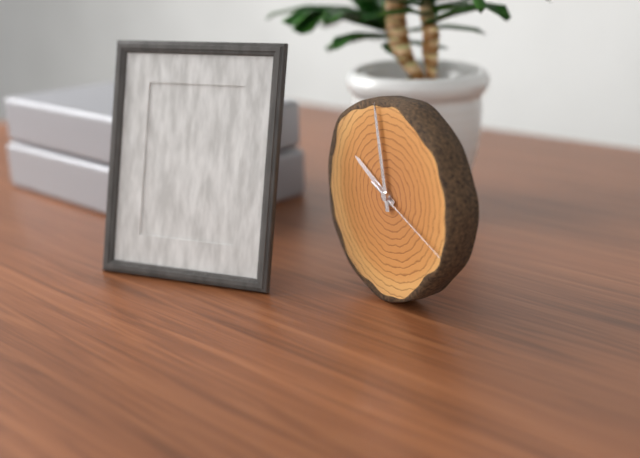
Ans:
9h58m19s
